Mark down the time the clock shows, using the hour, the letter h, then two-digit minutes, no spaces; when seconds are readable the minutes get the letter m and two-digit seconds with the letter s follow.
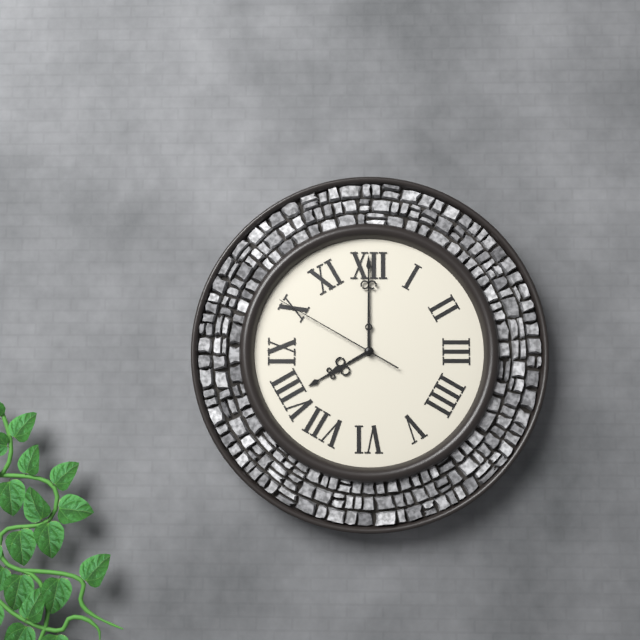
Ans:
8h00m50s
